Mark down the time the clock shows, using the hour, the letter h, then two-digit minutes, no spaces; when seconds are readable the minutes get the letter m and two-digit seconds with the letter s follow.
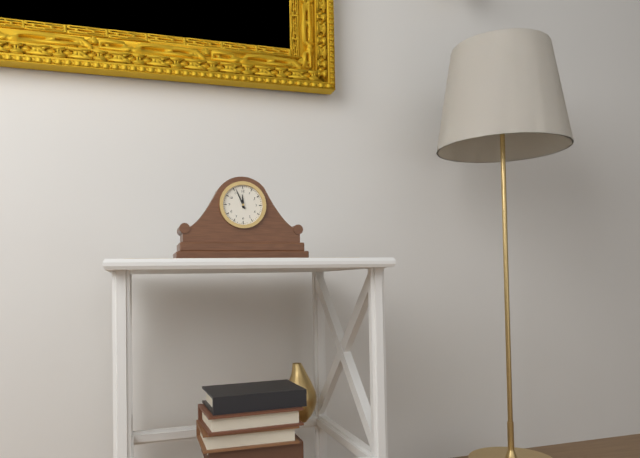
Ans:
11h56
